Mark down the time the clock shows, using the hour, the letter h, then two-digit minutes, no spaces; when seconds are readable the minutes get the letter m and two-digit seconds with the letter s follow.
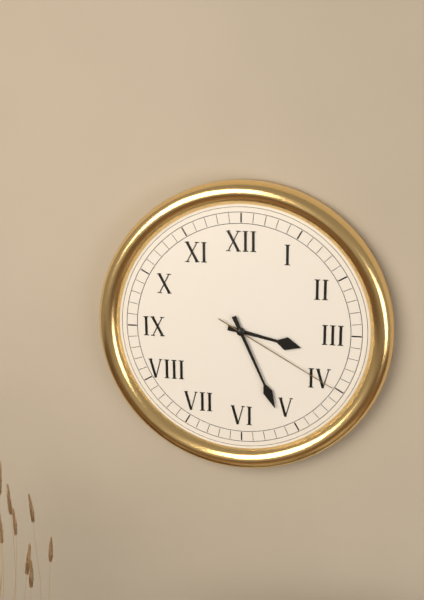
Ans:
3h26m20s
